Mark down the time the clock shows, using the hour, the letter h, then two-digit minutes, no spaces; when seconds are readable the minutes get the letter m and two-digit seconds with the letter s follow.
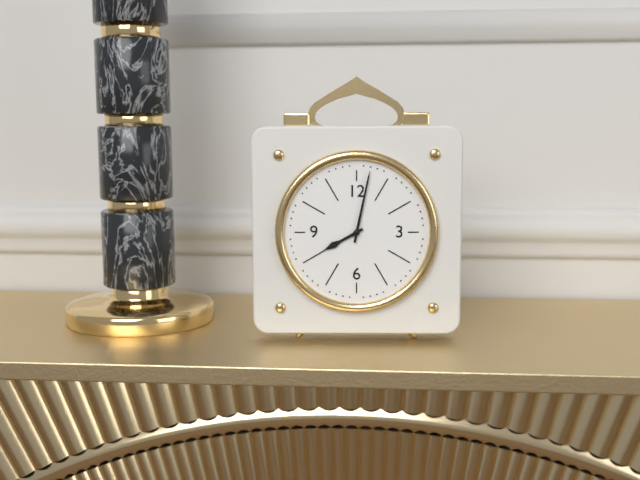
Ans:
8h02
